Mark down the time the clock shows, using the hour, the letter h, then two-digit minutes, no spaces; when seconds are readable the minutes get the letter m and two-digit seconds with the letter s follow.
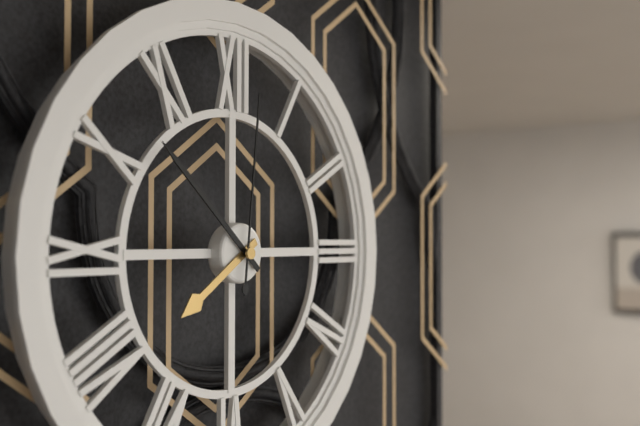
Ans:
7h52m01s
